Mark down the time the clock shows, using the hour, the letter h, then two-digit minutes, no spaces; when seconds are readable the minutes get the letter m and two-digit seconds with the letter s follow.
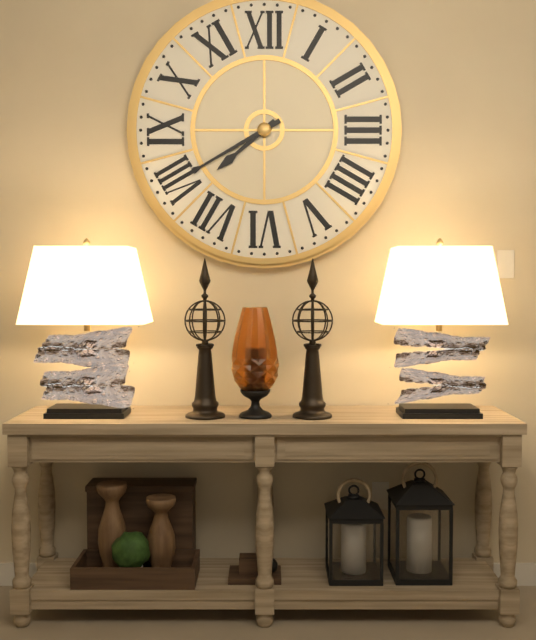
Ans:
7h40
